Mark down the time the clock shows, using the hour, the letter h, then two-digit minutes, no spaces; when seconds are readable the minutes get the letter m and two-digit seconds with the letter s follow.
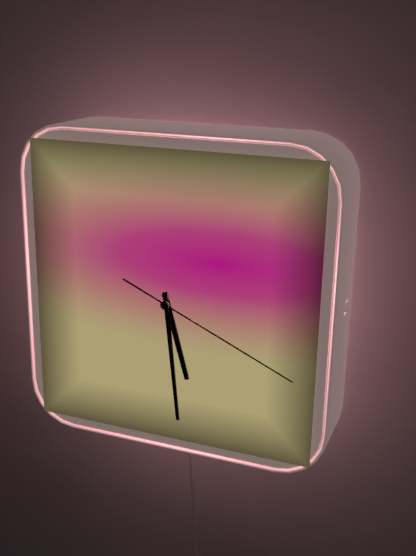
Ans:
5h29m19s
